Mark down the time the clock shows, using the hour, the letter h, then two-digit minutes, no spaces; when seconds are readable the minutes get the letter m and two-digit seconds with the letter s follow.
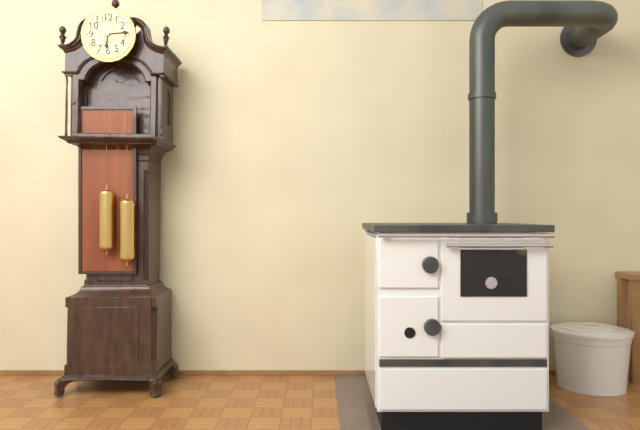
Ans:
6h14
